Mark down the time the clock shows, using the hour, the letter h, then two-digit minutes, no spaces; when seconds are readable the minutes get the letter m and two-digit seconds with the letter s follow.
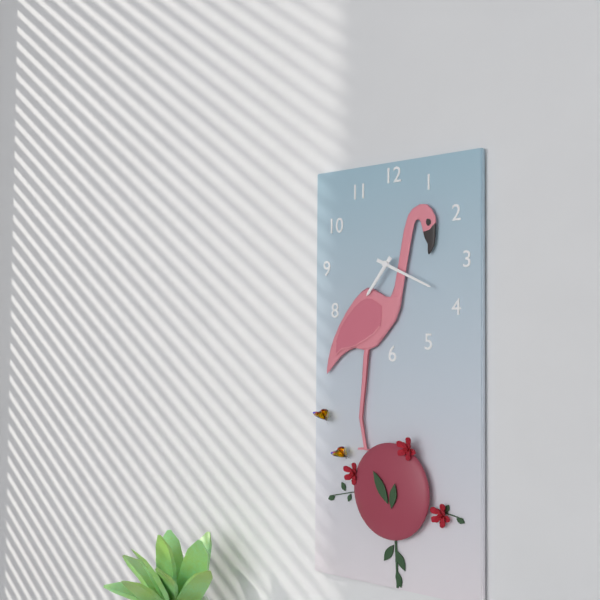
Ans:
7h19
